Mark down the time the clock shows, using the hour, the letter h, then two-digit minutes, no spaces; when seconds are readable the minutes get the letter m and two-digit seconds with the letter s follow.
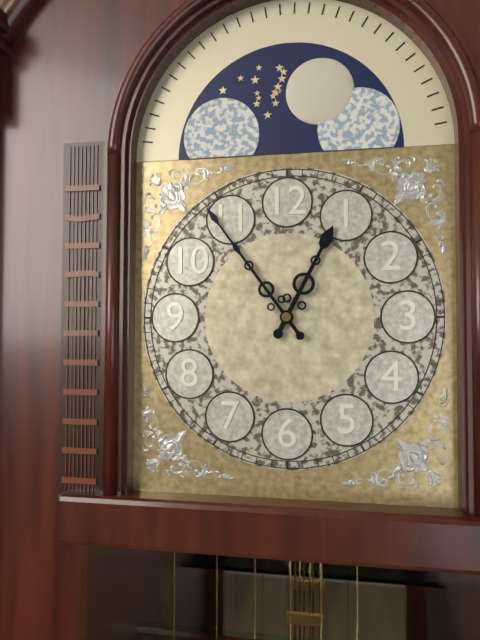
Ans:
12h54
